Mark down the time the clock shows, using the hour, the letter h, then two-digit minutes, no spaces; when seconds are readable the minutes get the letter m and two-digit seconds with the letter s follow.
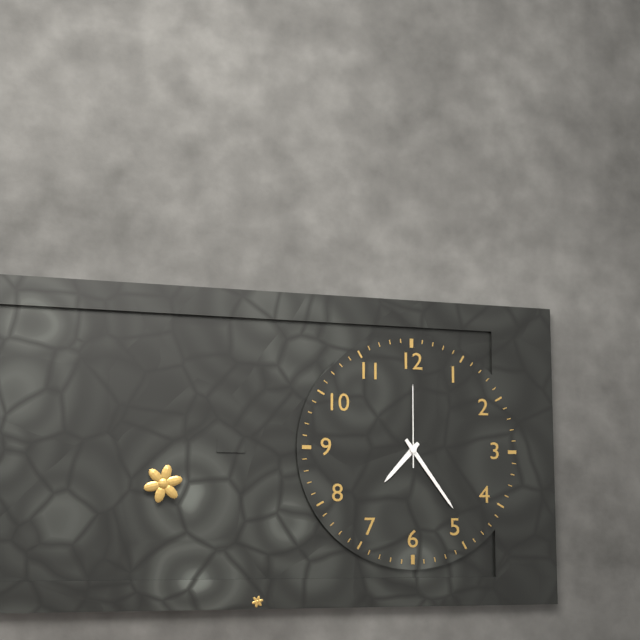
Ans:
7h24m00s
